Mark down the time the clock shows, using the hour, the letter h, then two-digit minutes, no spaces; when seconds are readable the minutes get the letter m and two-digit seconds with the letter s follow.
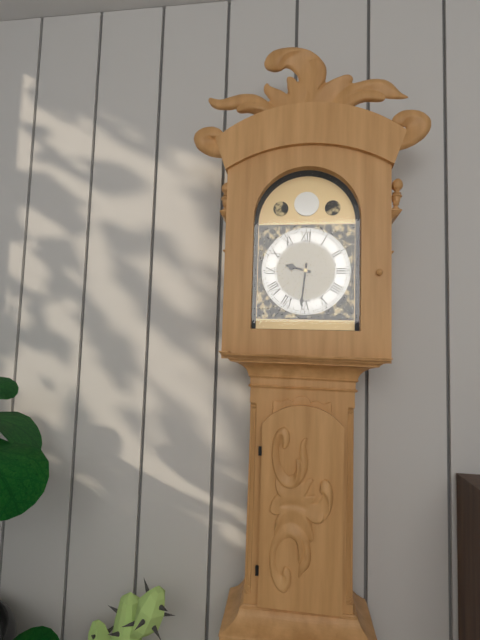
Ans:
9h31
